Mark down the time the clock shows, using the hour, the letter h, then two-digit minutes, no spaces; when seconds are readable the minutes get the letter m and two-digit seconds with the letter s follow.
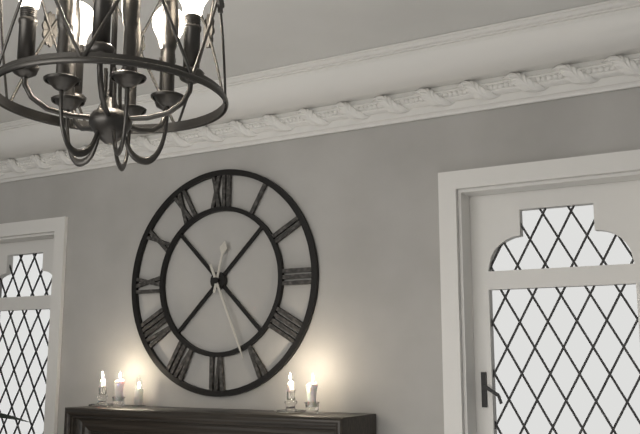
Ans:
12h26
